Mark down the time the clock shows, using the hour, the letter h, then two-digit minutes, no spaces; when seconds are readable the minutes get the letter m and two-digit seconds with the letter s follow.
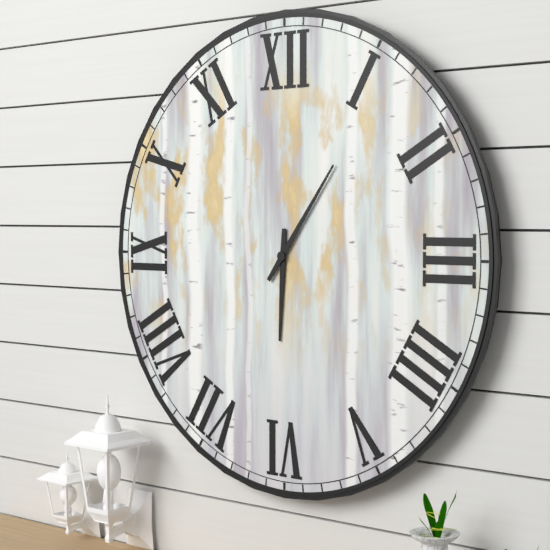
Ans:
6h06
